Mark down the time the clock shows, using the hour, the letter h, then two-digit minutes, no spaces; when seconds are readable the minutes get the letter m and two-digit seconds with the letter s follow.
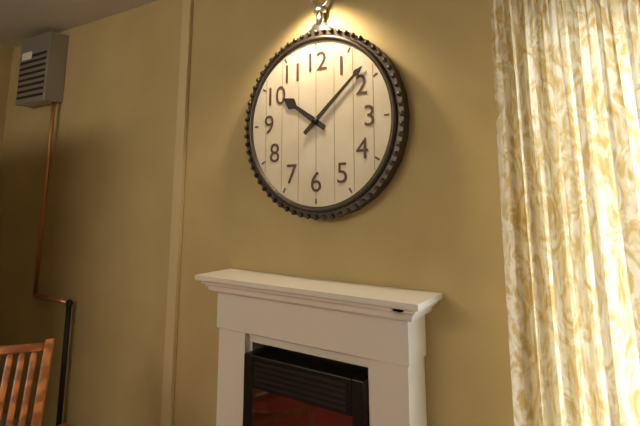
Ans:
10h08
